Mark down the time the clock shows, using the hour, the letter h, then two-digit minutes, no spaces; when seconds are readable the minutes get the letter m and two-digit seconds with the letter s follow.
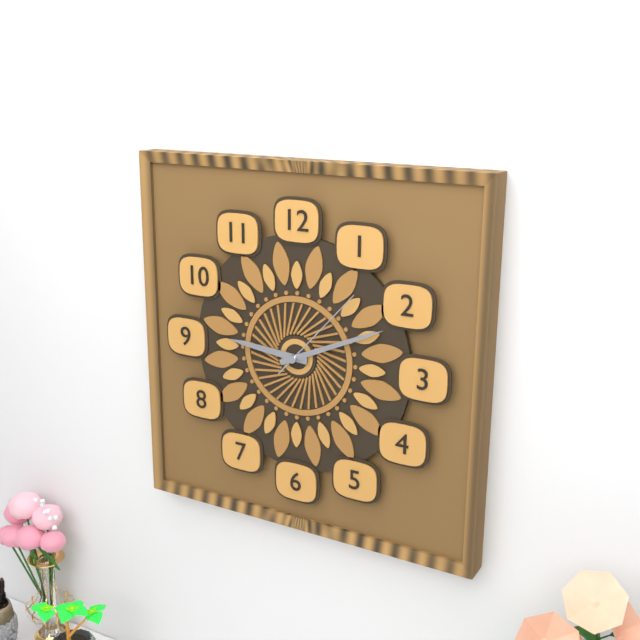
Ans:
9h11m07s
